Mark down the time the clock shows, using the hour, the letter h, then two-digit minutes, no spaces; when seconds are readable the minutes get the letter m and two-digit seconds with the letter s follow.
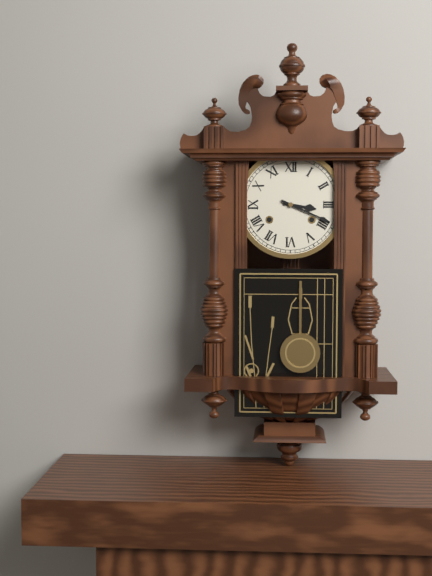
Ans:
3h19
